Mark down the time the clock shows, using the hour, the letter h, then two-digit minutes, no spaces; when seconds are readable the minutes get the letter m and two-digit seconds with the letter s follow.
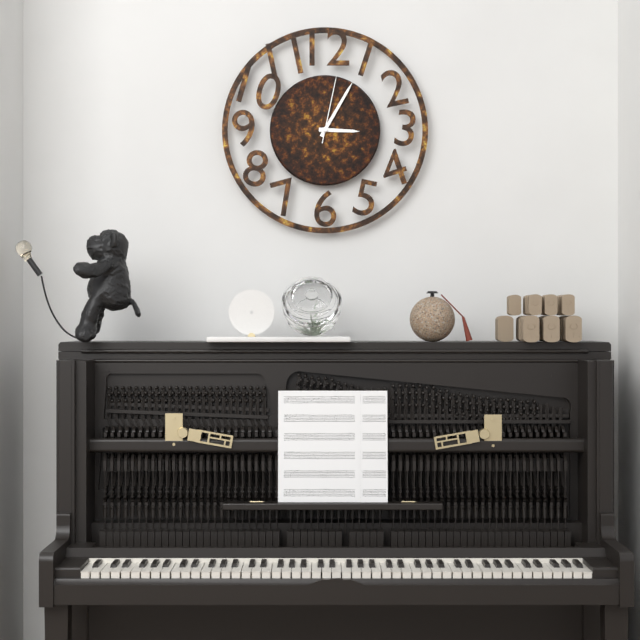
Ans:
3h05m02s
